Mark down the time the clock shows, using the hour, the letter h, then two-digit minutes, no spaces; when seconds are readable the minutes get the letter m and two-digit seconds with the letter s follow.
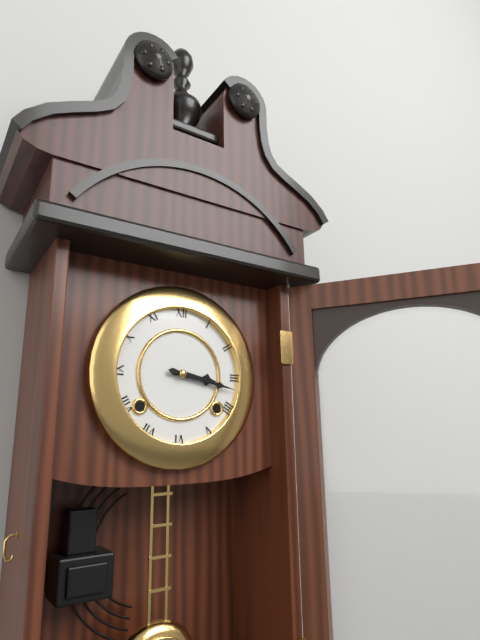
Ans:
3h17
